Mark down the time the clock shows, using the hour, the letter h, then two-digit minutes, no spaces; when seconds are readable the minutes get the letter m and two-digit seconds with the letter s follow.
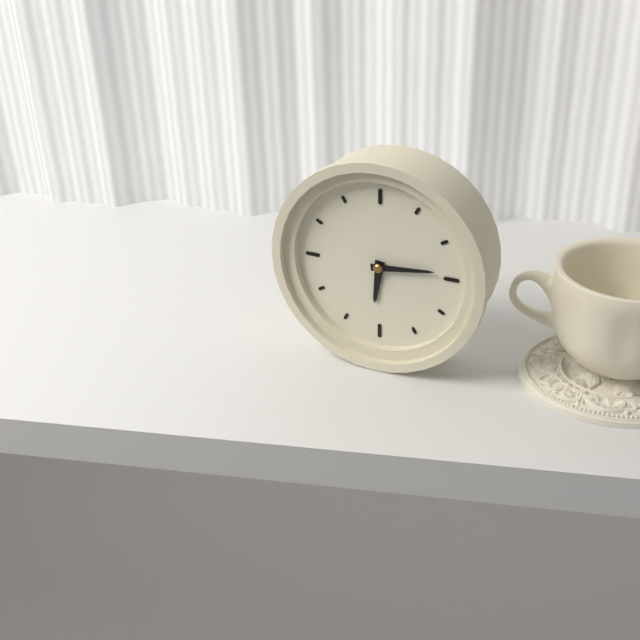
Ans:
6h14
